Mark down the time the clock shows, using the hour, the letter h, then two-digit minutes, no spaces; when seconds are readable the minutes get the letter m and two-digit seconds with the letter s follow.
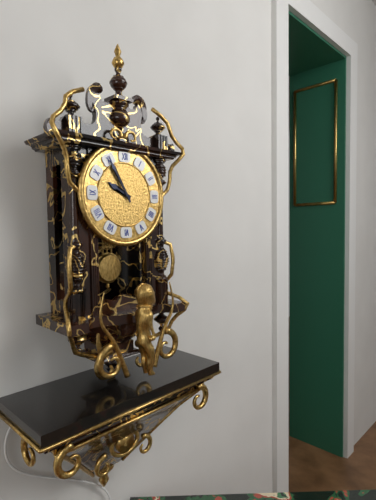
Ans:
9h55
